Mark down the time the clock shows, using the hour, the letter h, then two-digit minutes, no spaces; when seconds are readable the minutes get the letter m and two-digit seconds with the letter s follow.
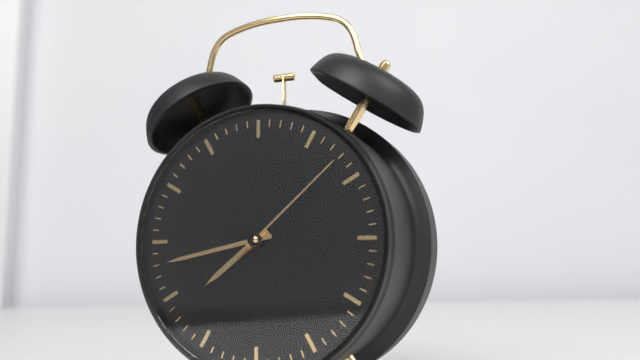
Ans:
7h43m08s
